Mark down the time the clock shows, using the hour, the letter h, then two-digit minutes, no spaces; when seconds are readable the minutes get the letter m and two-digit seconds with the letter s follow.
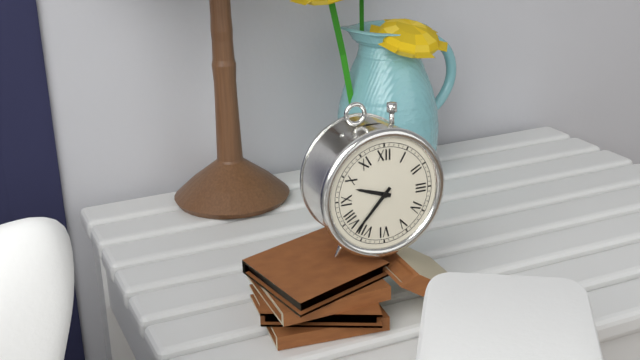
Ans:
9h37
